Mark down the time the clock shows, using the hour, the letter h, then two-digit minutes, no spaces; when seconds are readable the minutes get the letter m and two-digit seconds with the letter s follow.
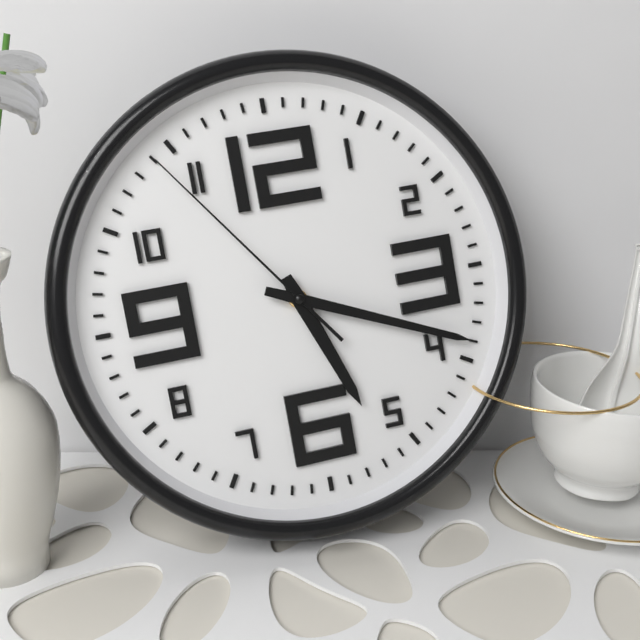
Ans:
5h19m54s
